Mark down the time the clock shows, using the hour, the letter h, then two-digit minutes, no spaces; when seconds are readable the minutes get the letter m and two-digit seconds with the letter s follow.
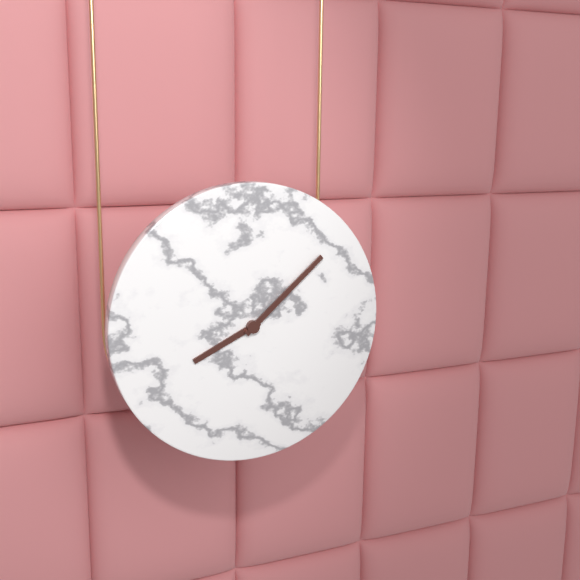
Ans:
8h08
